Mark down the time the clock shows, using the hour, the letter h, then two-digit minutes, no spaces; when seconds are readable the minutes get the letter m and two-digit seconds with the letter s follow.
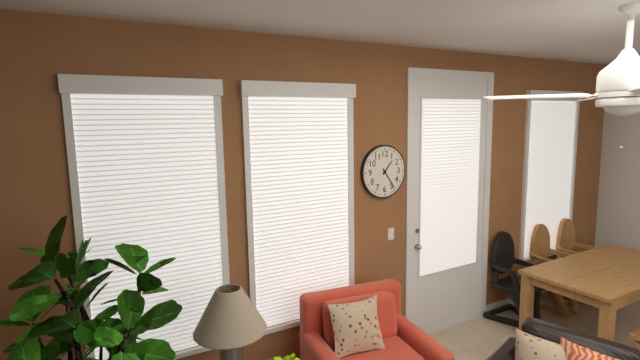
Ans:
1h24
